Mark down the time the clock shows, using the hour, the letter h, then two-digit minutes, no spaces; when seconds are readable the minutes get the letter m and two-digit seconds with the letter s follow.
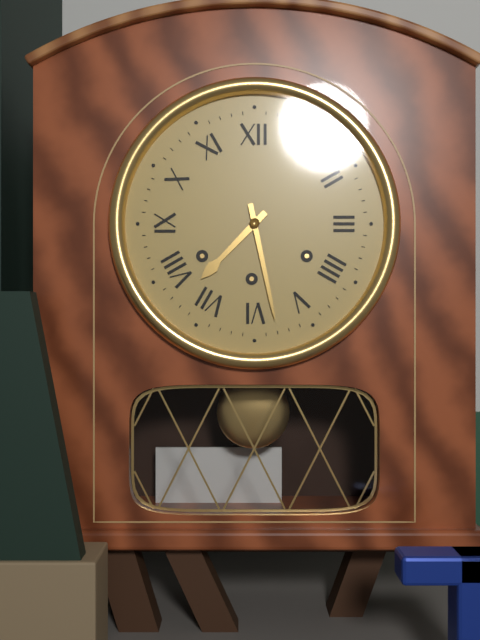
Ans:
7h28
